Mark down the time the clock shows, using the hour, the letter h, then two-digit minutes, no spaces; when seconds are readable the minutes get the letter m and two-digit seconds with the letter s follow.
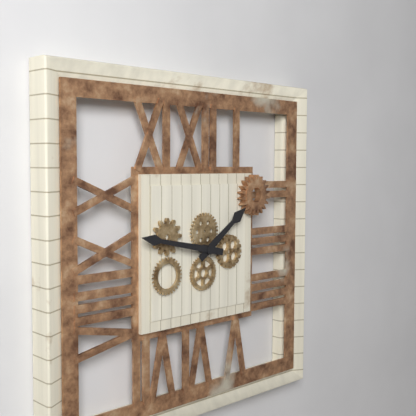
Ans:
1h47
